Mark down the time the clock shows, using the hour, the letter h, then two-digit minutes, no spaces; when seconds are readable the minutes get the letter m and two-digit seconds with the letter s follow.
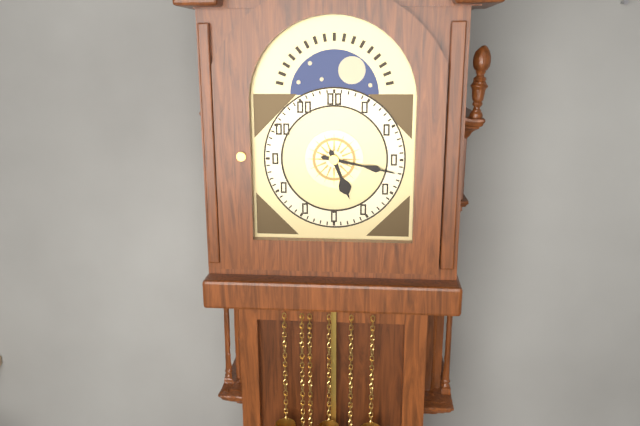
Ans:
5h17
